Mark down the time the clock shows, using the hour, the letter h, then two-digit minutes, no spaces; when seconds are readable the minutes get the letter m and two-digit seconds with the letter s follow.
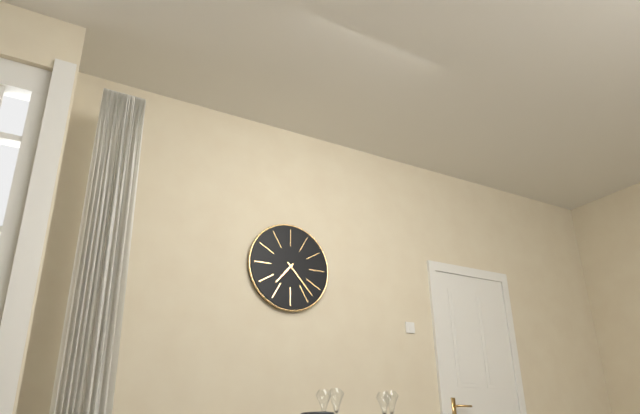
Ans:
7h23
